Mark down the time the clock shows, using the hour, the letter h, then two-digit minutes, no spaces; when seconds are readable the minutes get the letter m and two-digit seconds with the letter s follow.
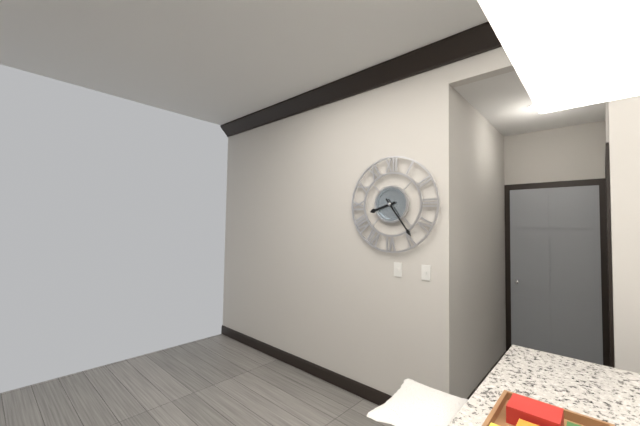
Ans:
8h24
